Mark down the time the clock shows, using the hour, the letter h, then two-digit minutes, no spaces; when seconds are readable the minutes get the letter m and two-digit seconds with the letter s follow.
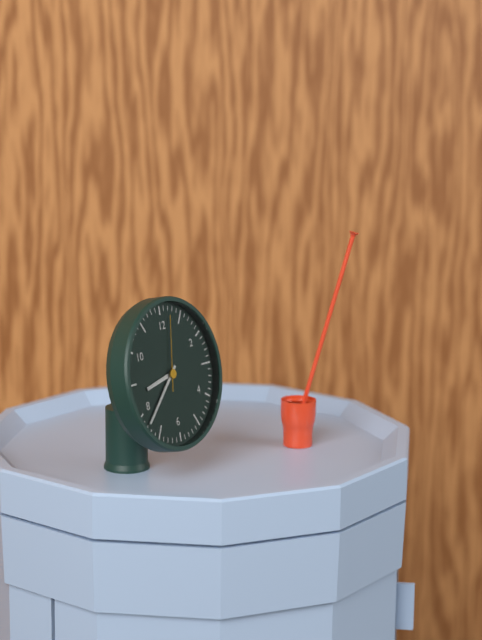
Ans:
8h38m02s
